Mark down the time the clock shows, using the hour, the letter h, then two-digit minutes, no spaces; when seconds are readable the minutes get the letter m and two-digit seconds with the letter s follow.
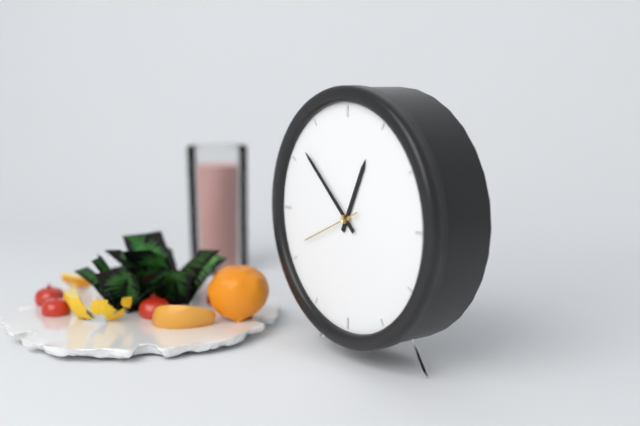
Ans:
12h52m41s
